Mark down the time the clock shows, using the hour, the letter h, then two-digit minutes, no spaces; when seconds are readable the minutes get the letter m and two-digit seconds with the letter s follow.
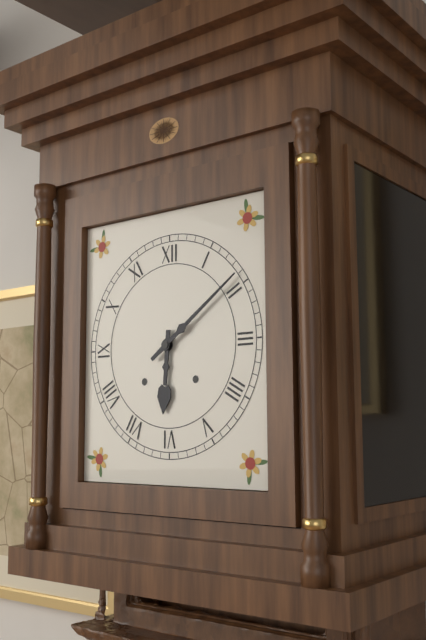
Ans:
6h09
